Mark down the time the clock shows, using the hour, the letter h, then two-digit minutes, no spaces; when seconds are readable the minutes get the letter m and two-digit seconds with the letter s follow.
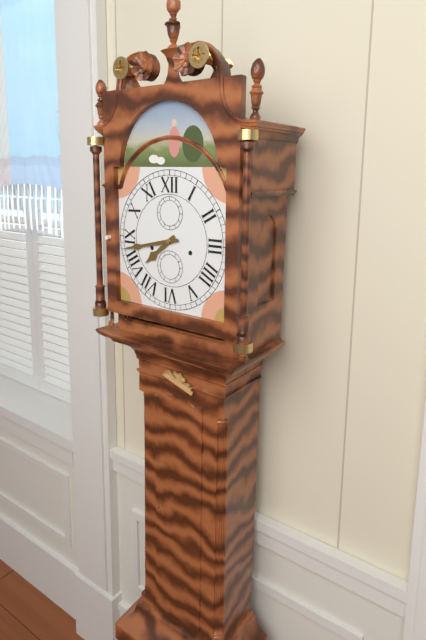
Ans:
7h43
